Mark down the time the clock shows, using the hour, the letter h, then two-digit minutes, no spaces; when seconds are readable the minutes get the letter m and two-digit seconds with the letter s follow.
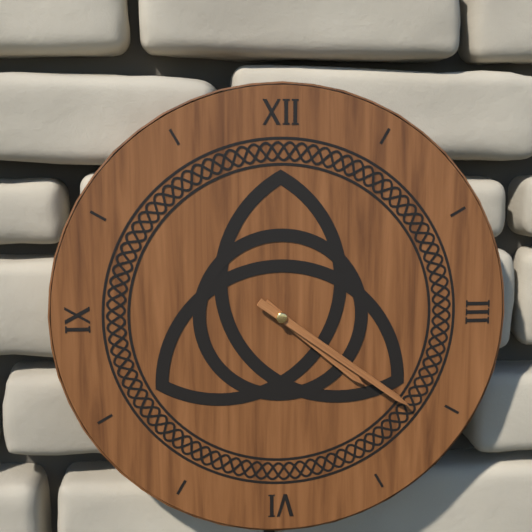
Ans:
4h21
